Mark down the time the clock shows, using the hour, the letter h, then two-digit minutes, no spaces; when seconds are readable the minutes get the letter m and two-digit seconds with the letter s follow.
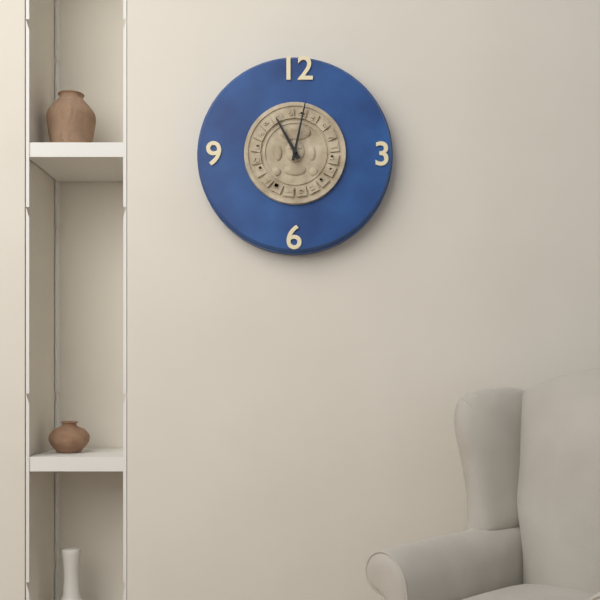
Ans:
11h02
